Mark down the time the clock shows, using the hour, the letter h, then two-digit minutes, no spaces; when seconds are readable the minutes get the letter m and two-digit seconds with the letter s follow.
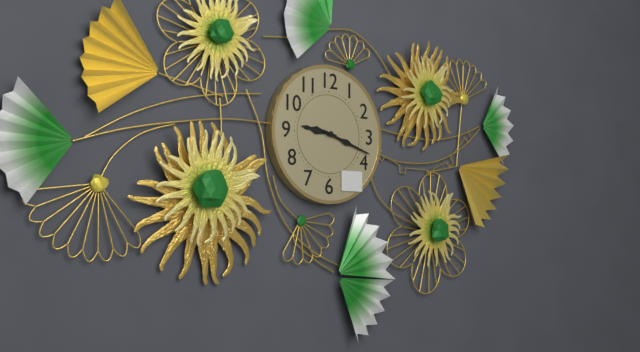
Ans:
9h18
